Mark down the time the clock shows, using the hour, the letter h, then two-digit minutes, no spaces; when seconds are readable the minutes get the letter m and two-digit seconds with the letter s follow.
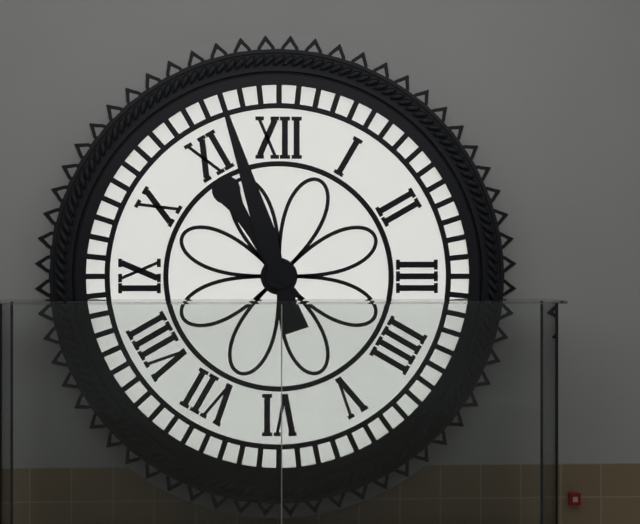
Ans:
10h57
